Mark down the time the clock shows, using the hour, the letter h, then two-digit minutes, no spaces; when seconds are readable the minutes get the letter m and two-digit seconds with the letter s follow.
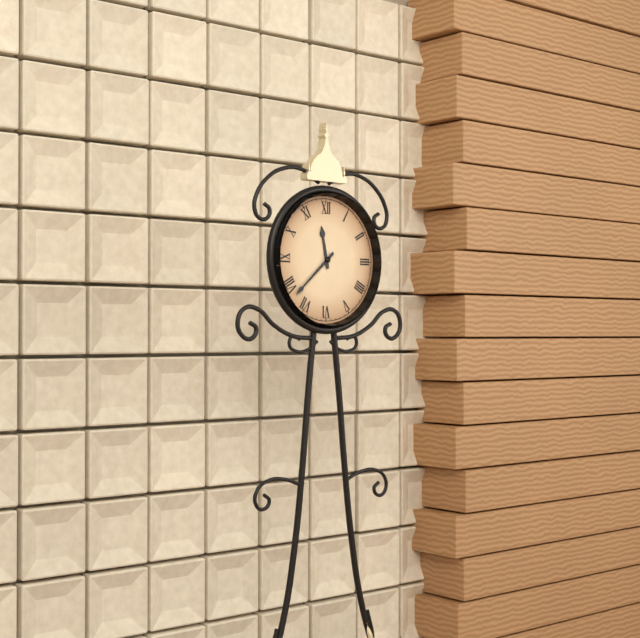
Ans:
11h38
